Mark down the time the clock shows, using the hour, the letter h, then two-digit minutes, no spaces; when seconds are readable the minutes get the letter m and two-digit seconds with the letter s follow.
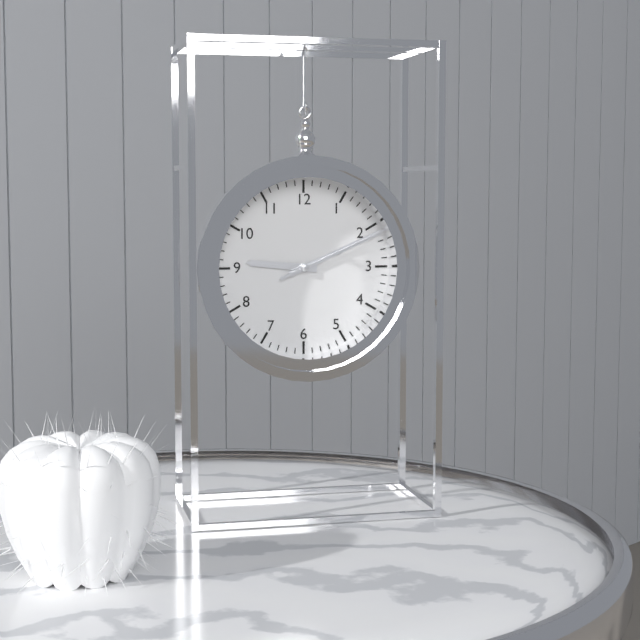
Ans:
9h11m11s
